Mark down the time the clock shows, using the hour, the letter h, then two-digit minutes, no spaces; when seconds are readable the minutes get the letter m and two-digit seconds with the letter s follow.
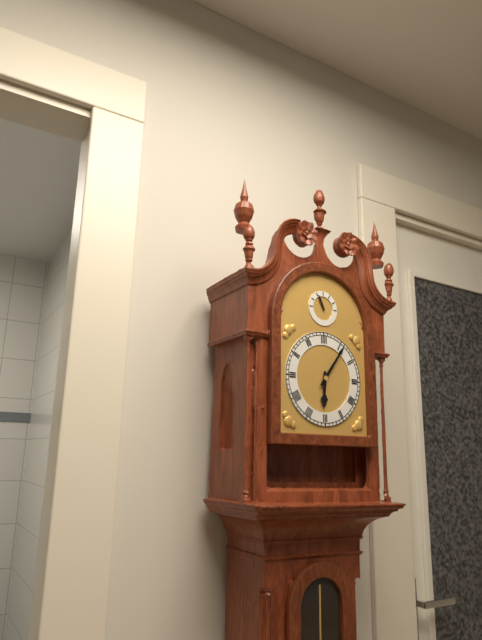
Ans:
6h06
